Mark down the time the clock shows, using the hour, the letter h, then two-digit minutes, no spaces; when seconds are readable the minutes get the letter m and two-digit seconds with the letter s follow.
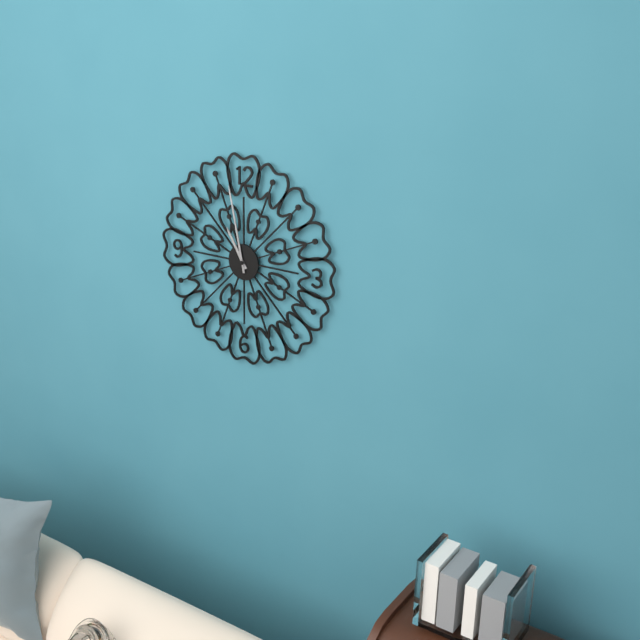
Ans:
10h58
